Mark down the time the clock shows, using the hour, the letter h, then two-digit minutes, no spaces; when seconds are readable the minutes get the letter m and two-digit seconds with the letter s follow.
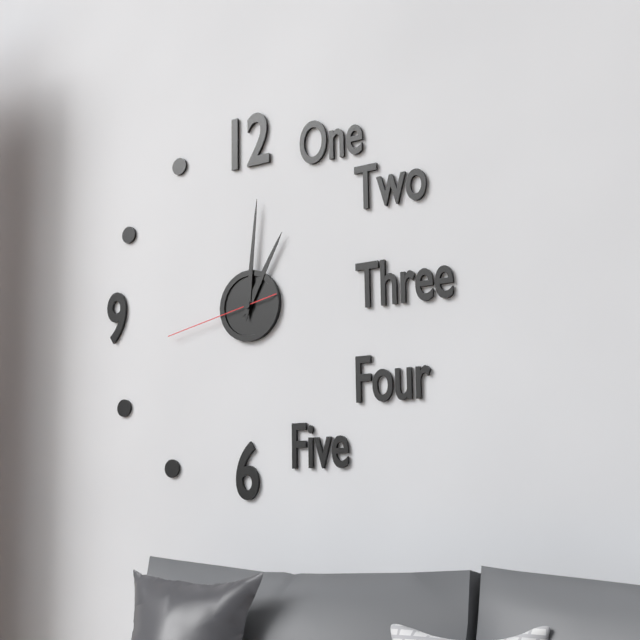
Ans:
1h01m43s
